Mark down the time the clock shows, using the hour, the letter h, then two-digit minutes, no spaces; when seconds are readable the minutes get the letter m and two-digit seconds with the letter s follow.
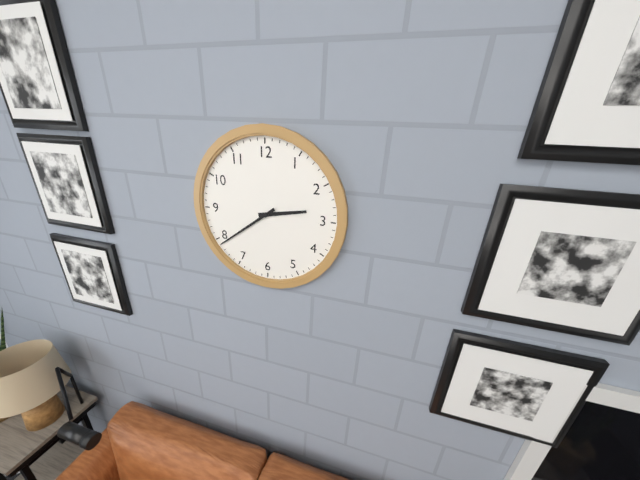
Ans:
2h39
